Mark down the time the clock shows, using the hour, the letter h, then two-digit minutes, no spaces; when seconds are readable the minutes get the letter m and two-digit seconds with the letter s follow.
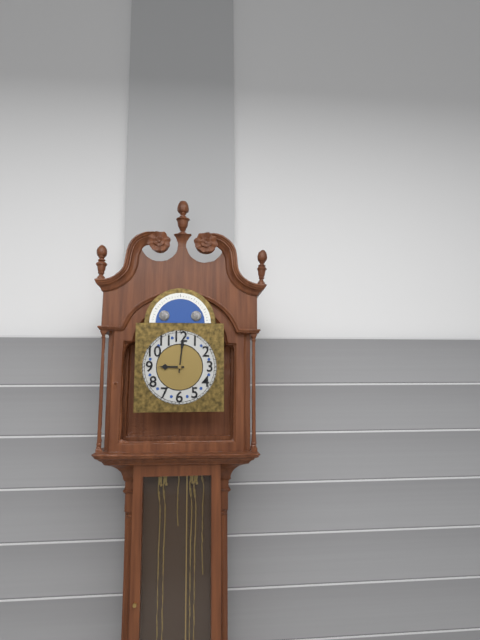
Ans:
9h01
